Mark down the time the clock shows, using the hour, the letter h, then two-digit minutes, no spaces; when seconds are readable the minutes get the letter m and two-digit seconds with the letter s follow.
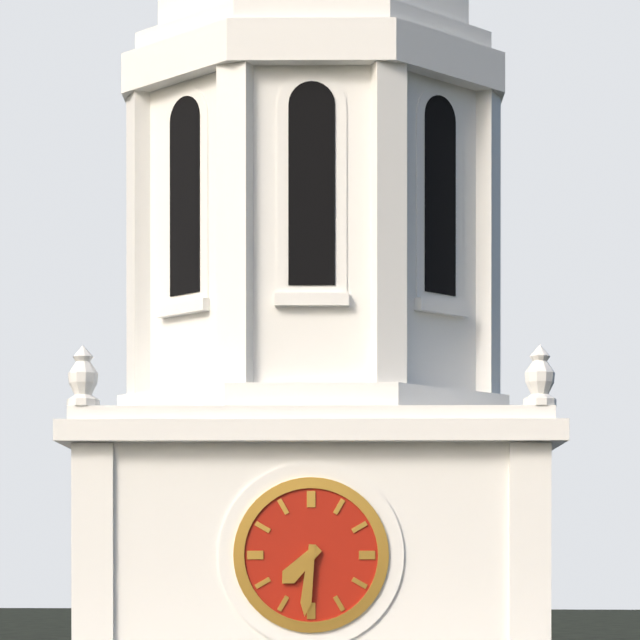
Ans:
7h31
